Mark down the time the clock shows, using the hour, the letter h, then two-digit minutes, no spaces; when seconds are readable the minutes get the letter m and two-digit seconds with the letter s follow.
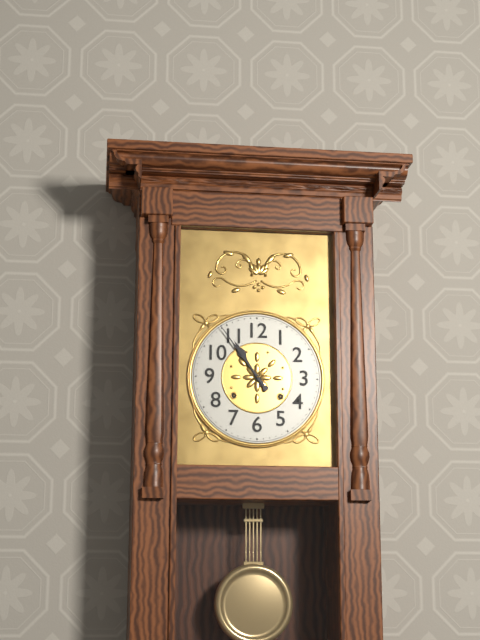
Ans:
10h54
